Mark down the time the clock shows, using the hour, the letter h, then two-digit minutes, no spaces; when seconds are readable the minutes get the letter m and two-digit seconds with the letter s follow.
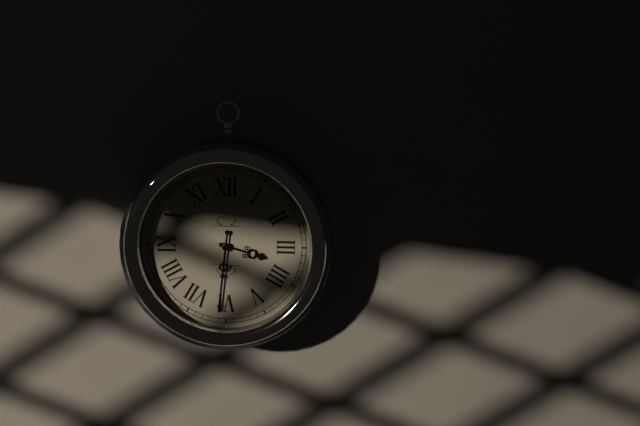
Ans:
3h31
